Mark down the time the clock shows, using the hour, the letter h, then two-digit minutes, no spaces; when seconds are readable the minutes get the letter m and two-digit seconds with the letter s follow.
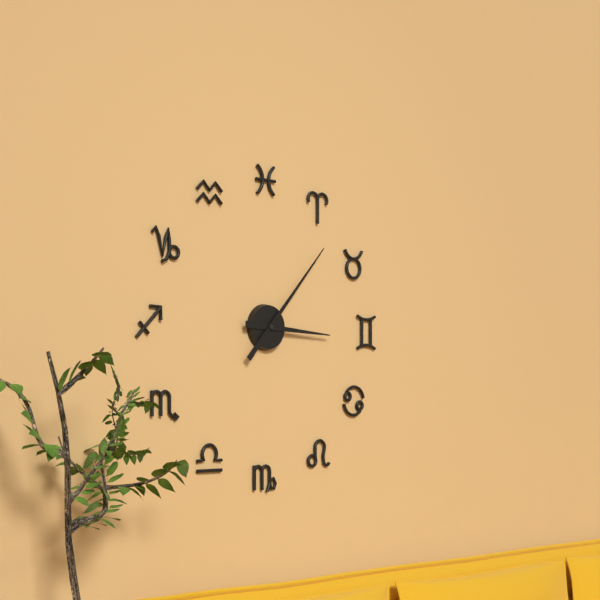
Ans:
3h07
